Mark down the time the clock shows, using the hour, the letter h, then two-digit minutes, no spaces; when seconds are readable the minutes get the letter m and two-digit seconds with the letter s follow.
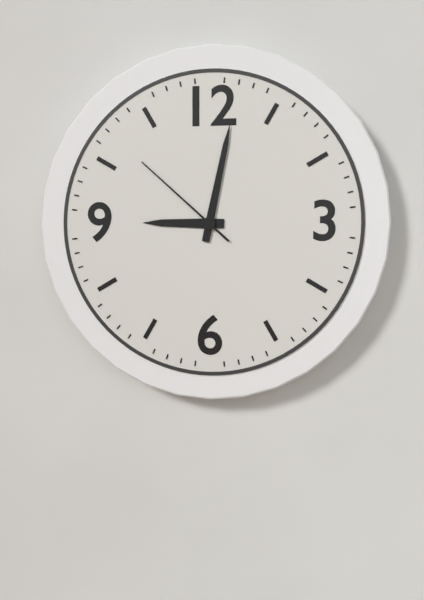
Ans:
9h02m52s
